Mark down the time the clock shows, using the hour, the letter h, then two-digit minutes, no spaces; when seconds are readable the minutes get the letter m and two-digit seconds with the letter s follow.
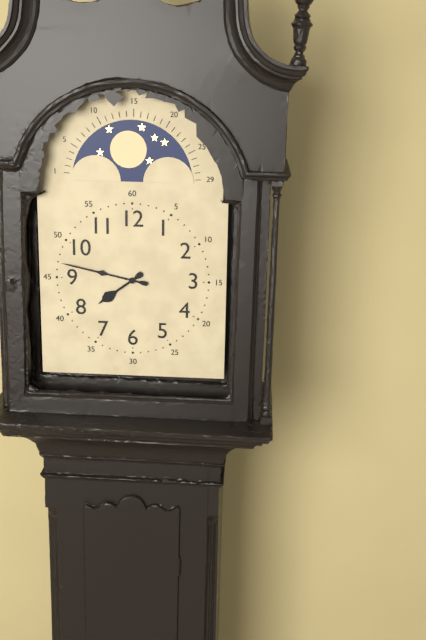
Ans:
7h47
